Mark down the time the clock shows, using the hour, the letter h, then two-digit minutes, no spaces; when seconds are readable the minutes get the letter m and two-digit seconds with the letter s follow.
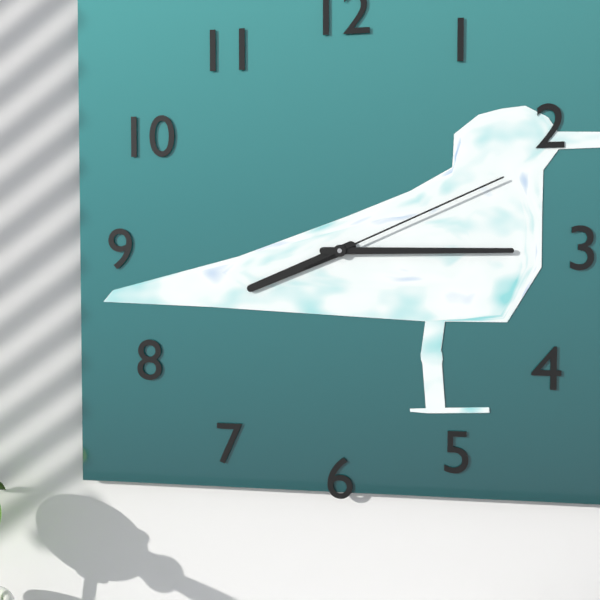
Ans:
8h15m11s
